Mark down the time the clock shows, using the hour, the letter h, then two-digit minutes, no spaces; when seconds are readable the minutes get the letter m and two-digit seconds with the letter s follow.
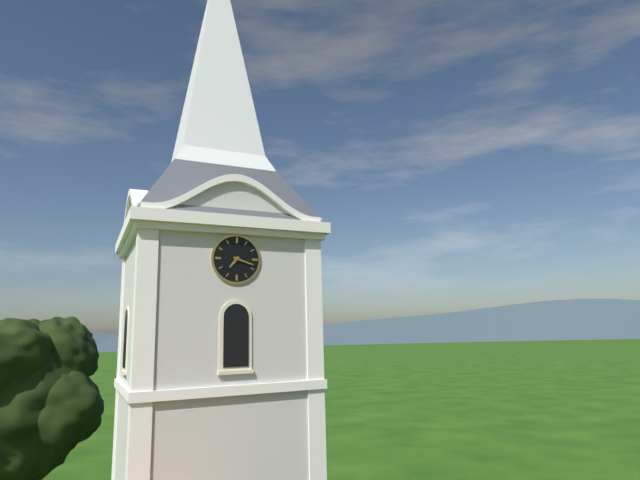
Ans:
7h18
